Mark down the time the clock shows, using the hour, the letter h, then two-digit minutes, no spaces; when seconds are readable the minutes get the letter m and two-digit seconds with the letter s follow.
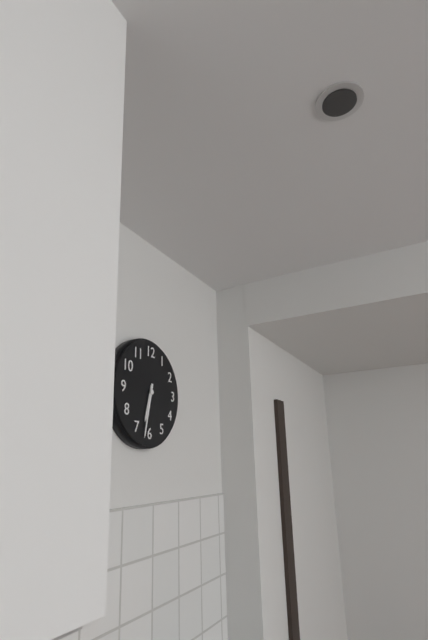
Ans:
6h32
